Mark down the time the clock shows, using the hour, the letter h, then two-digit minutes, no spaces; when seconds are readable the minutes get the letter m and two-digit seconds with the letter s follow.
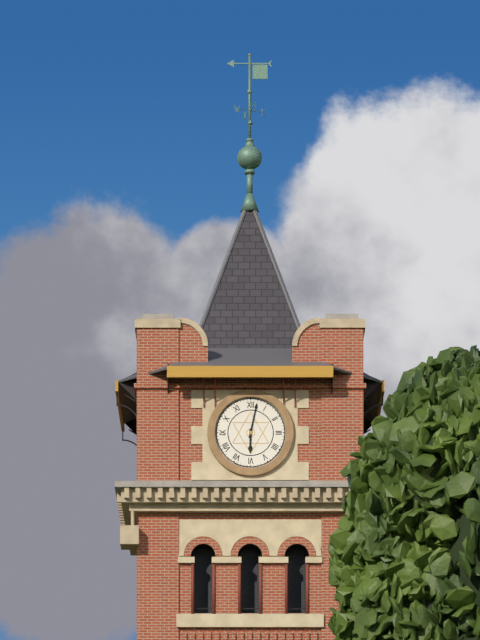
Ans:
6h02
